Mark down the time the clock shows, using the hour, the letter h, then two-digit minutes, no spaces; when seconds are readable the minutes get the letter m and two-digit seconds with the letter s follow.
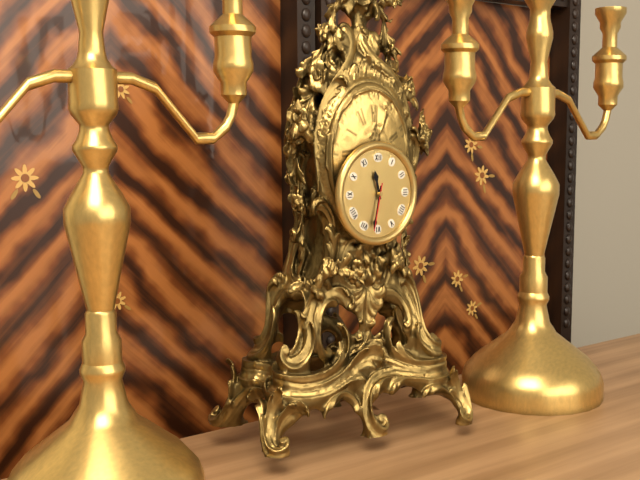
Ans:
11h32
